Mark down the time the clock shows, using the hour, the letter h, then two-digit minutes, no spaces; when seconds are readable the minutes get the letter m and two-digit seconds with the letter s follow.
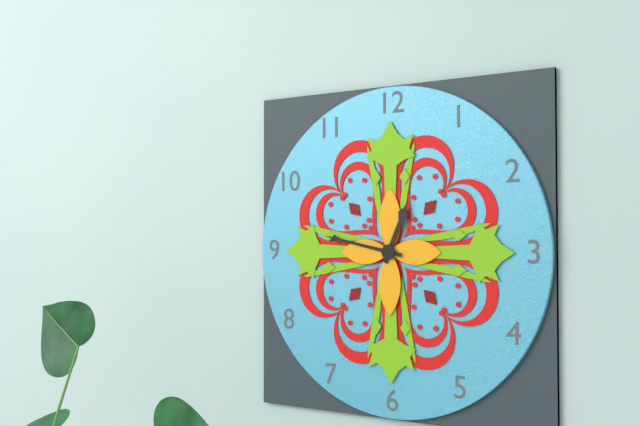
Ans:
12h47
